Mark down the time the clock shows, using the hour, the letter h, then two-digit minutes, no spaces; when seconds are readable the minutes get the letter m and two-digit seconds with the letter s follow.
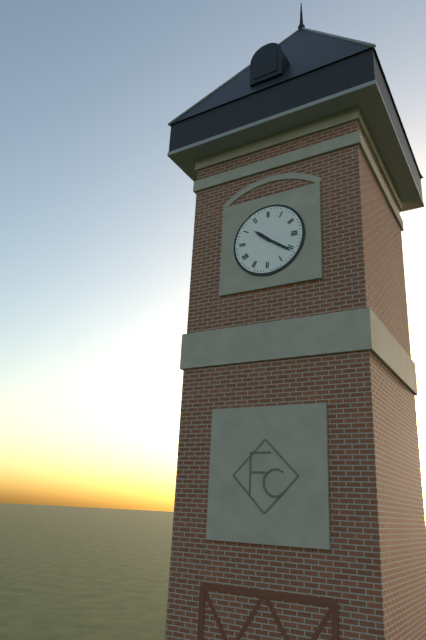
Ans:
10h21
